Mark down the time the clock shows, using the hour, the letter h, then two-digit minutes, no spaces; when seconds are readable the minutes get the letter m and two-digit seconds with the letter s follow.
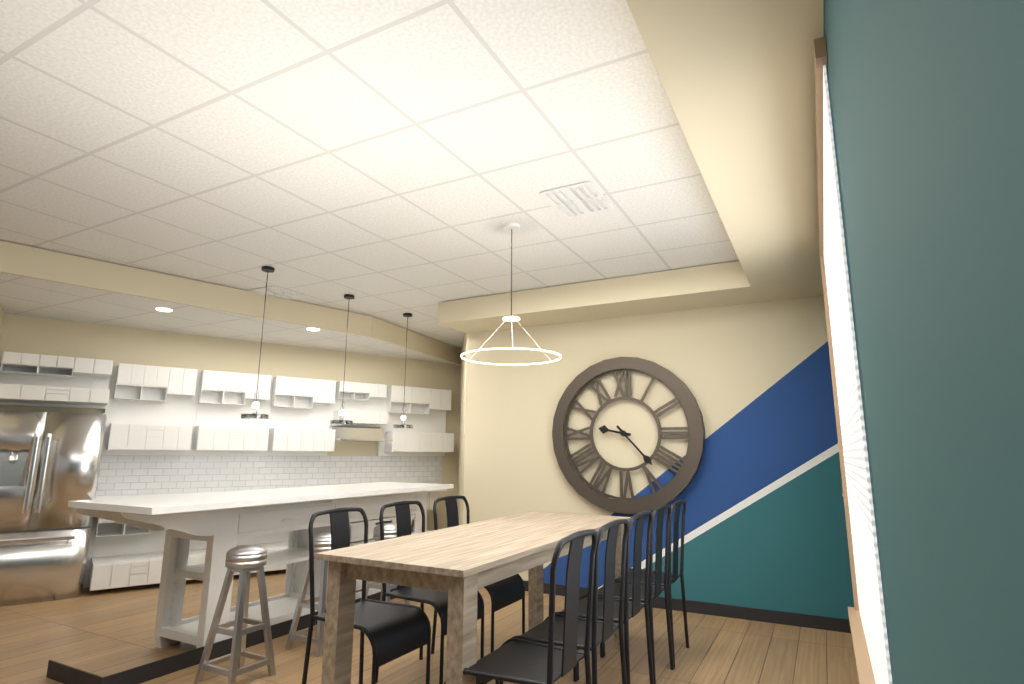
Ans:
9h23
